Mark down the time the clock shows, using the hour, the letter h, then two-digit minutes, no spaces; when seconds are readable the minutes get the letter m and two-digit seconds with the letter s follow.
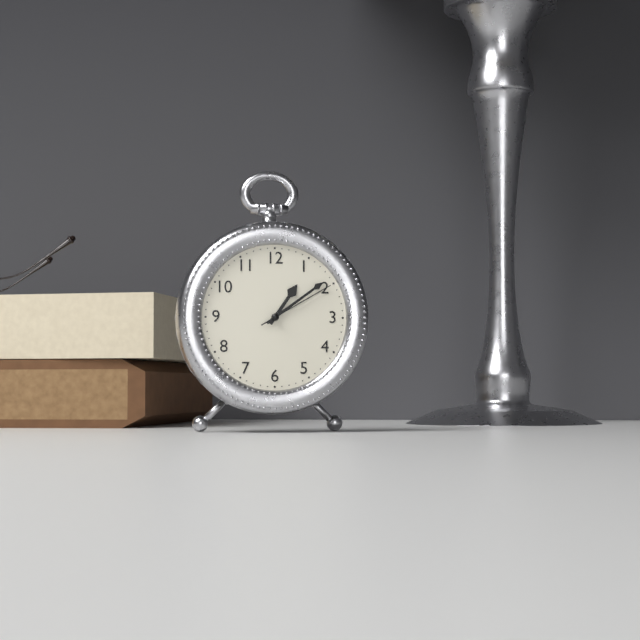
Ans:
1h09m10s
